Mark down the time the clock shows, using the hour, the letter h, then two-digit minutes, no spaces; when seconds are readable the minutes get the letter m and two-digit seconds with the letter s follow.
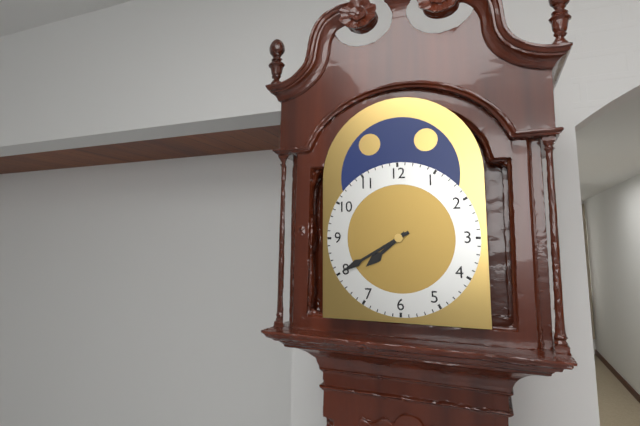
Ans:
7h40
